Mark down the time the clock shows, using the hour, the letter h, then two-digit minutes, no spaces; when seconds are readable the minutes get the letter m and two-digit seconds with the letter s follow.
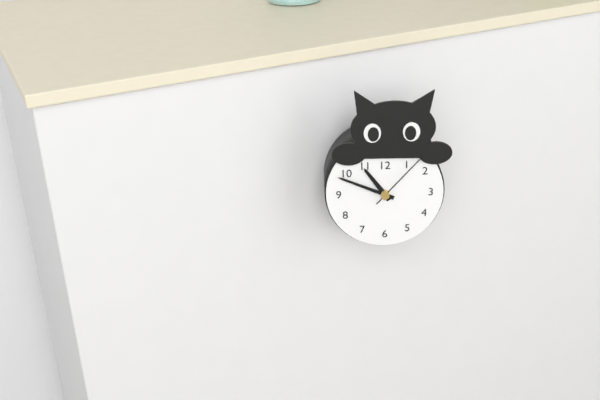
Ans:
10h49m07s
